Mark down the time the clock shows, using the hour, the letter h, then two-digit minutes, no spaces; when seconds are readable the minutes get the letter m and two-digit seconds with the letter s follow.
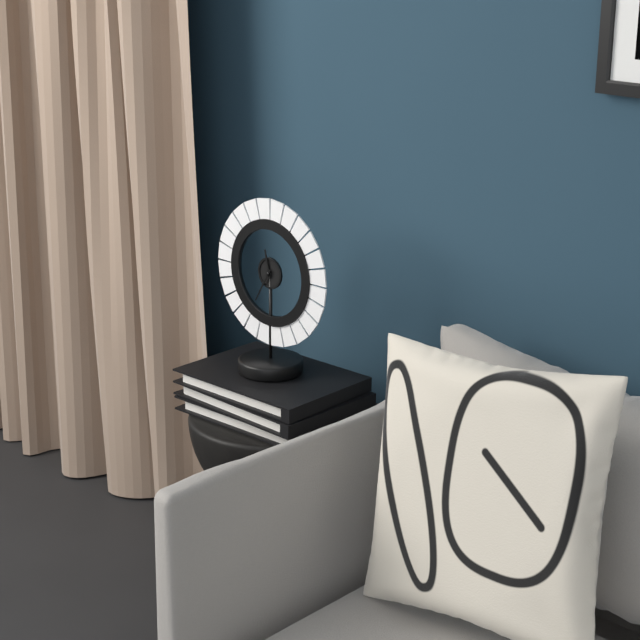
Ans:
11h35
